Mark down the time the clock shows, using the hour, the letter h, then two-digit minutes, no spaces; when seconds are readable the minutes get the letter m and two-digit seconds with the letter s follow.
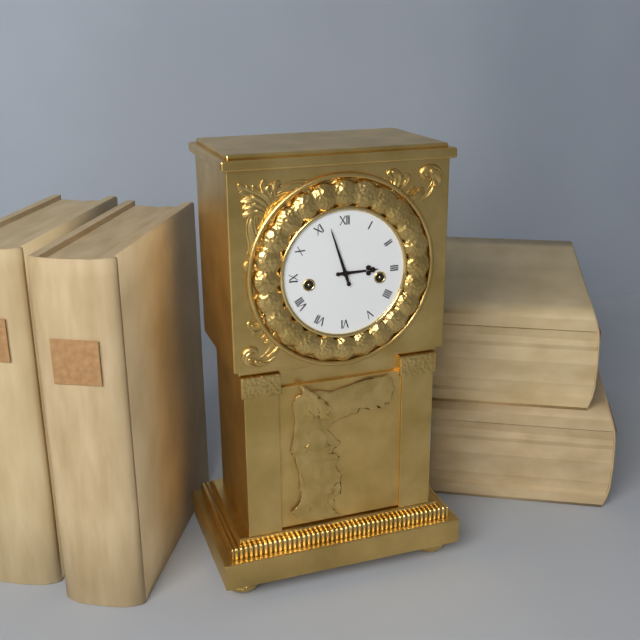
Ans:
2h57
